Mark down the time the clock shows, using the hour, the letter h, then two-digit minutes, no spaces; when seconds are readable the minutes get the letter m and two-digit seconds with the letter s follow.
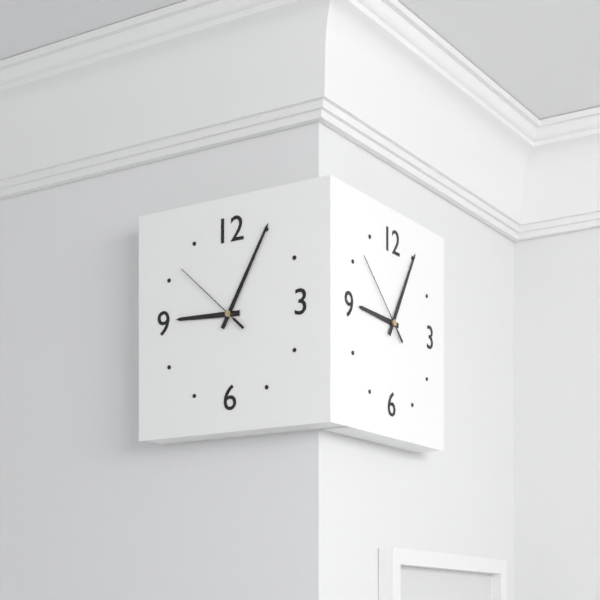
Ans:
9h05m52s
